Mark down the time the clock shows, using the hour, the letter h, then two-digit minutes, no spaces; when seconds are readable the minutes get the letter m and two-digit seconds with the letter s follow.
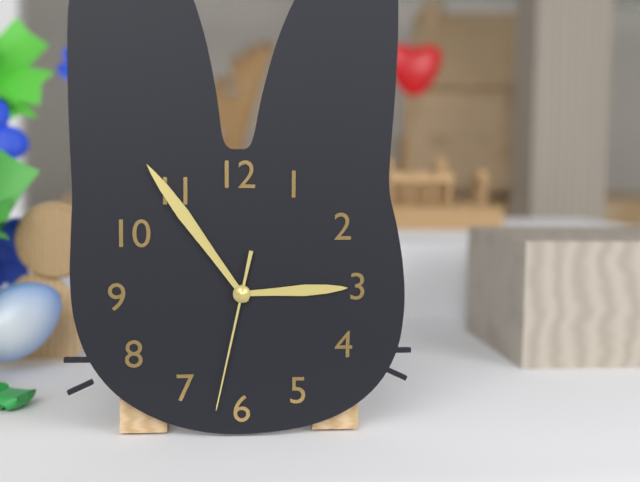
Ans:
2h54m32s
